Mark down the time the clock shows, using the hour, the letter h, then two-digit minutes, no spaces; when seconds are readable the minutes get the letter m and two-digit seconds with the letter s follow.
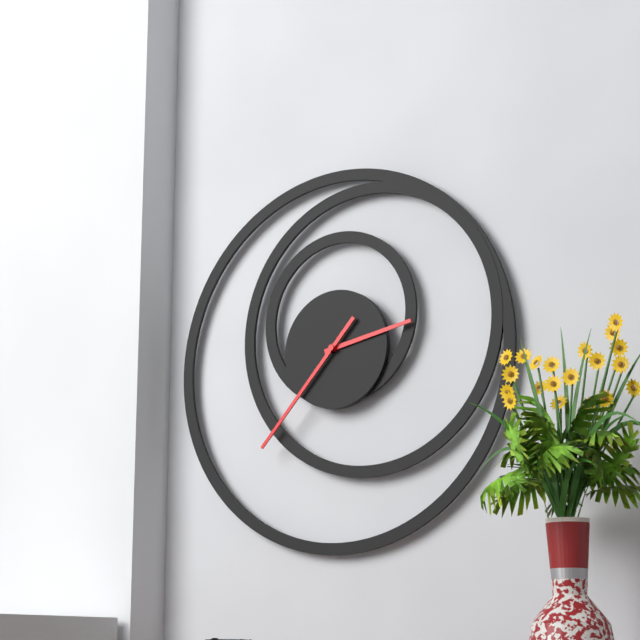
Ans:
2h37
